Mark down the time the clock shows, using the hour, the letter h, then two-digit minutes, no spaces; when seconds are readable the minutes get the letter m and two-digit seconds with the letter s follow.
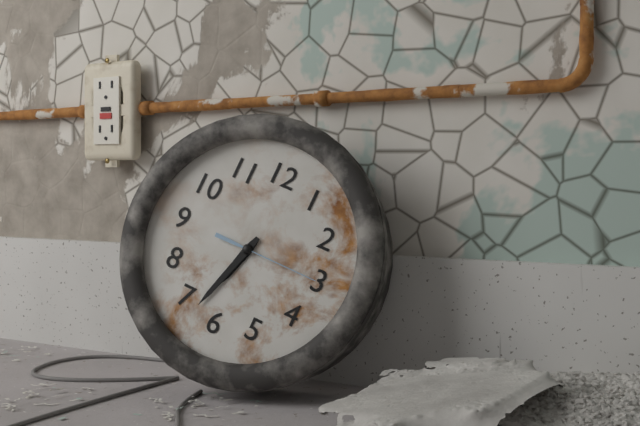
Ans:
6h33m15s
